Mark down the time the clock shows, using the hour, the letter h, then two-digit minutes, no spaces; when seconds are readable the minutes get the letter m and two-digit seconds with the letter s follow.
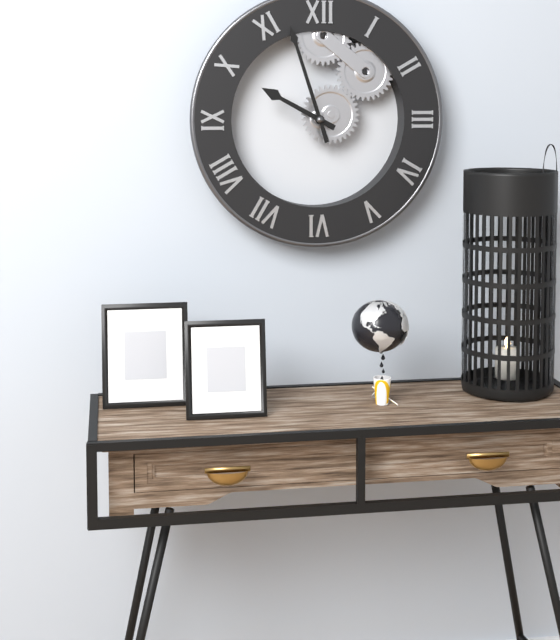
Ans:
9h57
